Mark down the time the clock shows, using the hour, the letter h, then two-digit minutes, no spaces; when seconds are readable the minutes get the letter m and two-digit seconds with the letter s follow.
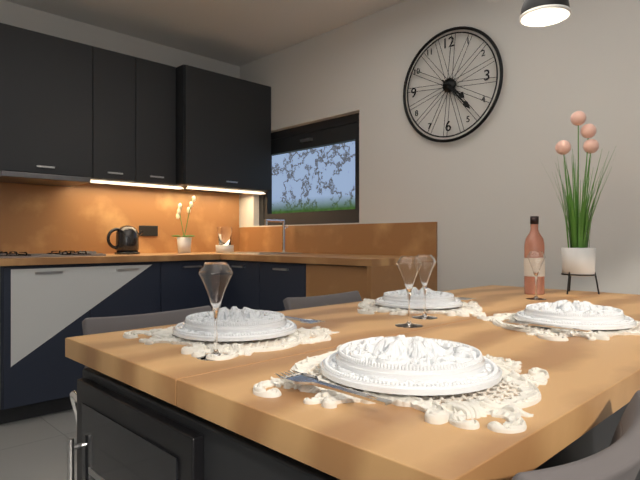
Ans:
4h23
